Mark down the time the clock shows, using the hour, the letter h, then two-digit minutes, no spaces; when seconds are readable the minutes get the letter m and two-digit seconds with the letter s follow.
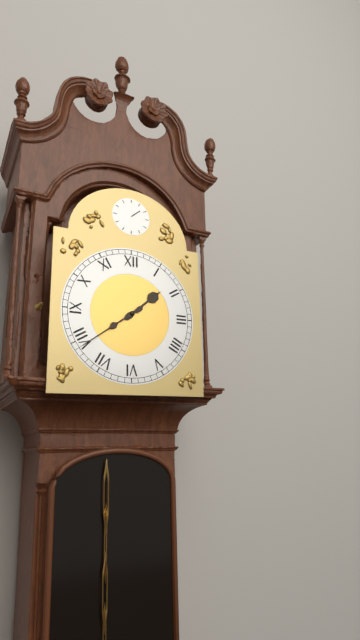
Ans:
1h39
